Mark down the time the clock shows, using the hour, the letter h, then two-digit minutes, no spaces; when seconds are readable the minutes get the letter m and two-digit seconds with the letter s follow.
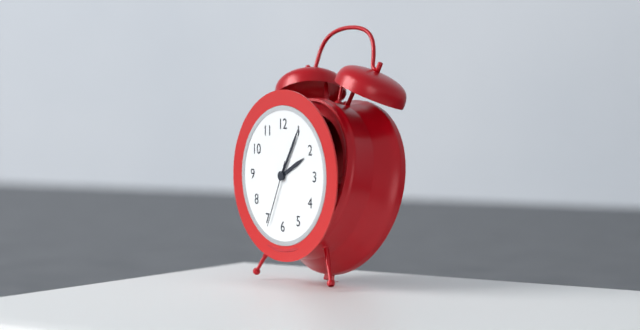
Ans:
2h05m34s
